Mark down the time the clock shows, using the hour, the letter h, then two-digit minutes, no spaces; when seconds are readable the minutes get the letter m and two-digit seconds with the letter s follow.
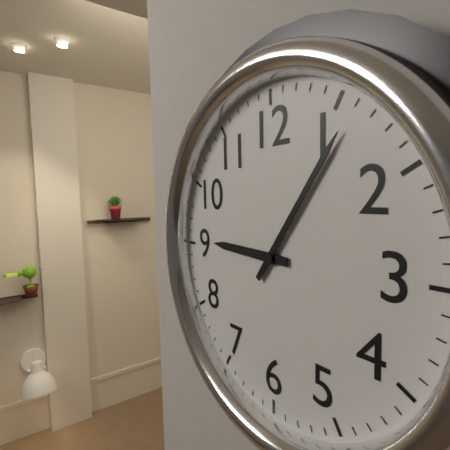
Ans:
9h06
